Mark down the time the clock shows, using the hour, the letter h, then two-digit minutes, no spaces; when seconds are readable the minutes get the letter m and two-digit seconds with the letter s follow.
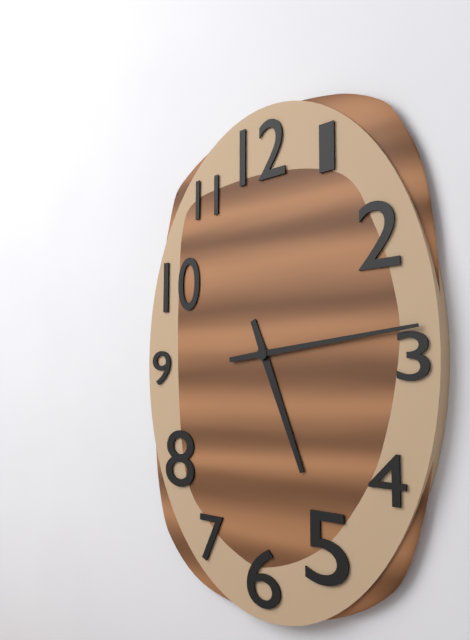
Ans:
5h14
